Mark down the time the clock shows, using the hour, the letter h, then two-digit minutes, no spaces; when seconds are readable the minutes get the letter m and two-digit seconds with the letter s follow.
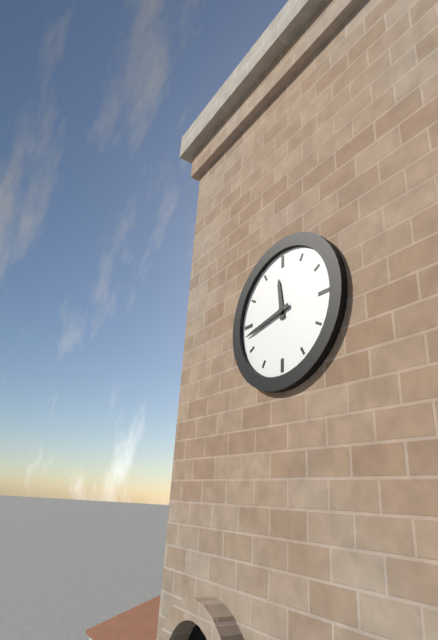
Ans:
11h43
